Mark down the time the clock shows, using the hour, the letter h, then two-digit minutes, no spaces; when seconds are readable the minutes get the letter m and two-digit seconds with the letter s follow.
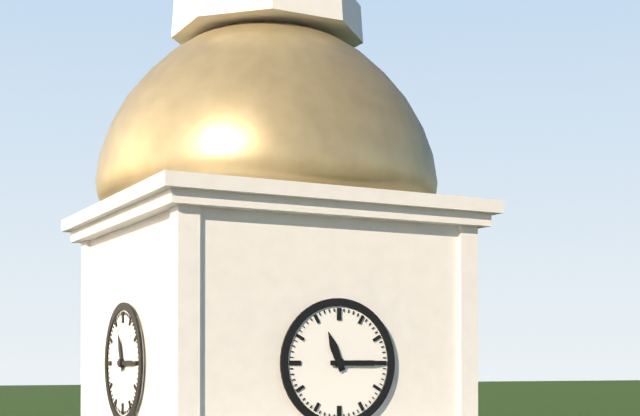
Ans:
11h15
